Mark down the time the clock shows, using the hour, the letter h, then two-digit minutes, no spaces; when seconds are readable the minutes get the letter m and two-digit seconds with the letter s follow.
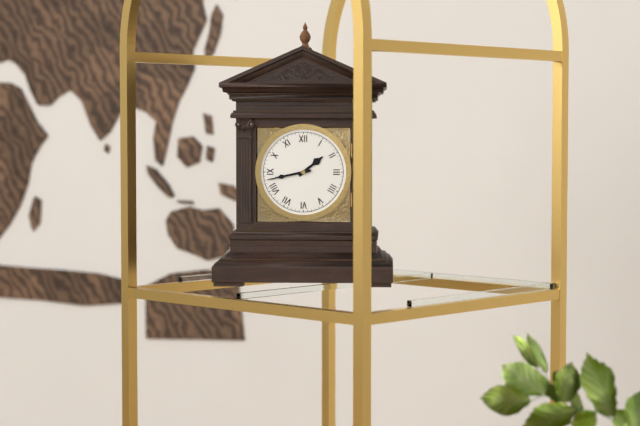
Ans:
1h43
